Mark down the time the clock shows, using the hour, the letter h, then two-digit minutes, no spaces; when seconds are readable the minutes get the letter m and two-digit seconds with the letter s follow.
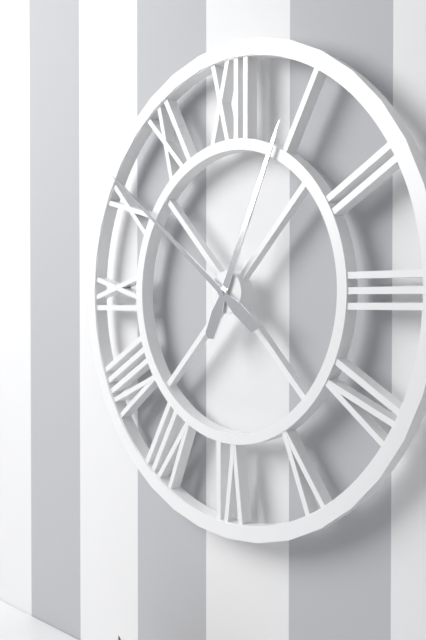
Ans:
12h51
